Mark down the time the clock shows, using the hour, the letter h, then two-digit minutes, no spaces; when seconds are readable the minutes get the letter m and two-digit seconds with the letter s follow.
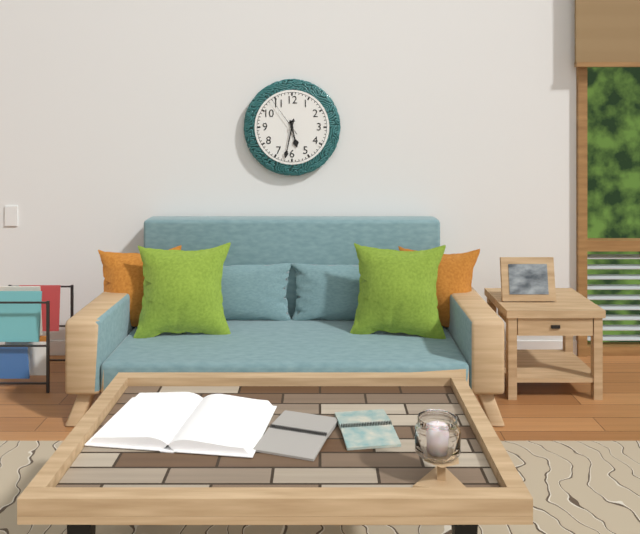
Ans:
5h32
